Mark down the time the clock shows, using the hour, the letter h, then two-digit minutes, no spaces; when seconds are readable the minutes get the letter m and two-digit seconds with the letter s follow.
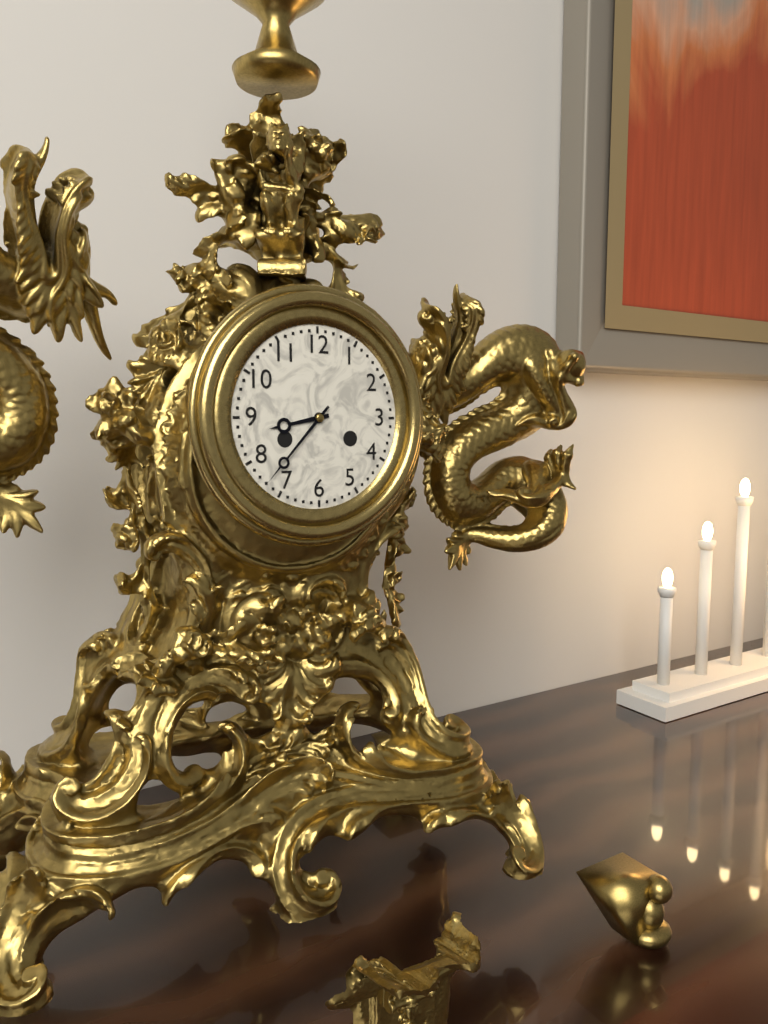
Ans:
8h37
